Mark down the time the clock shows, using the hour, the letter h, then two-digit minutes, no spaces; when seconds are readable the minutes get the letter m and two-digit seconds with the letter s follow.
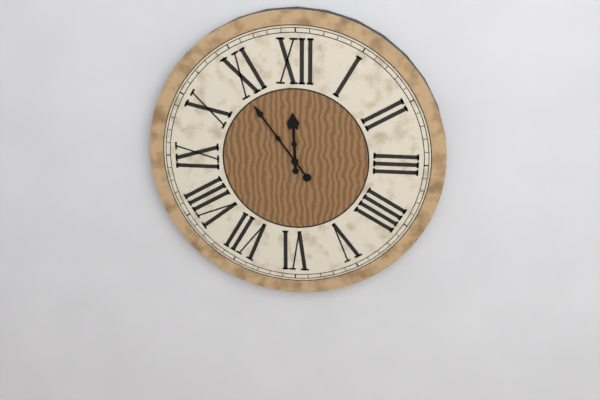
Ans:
11h54
